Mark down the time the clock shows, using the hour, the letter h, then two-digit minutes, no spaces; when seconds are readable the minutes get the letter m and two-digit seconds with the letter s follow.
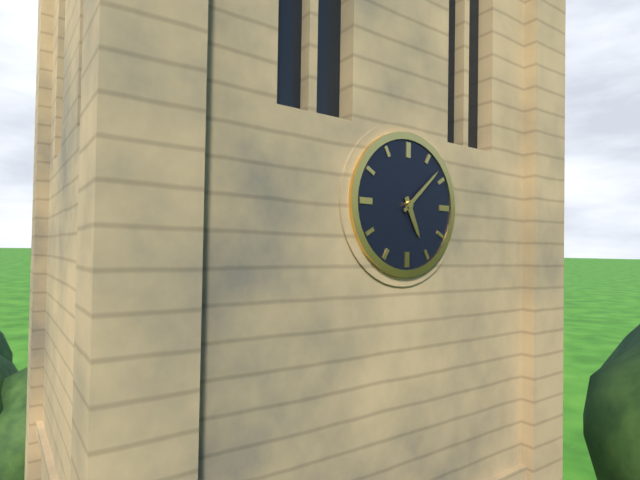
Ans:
5h08
